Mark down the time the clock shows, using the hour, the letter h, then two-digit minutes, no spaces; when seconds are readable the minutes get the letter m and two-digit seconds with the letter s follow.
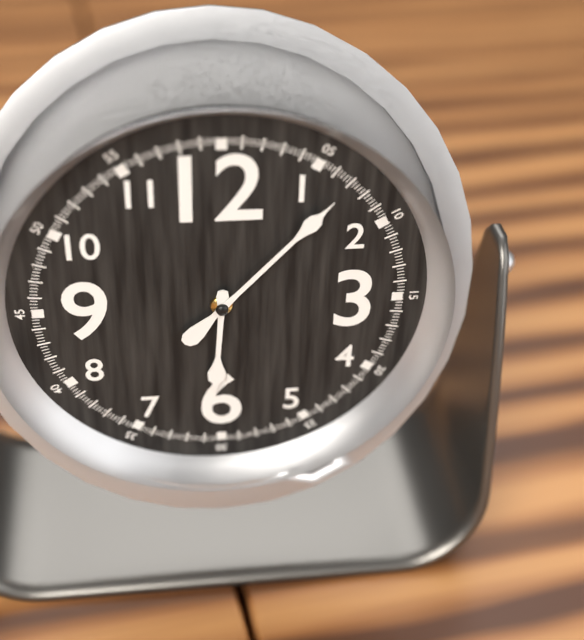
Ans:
6h07
